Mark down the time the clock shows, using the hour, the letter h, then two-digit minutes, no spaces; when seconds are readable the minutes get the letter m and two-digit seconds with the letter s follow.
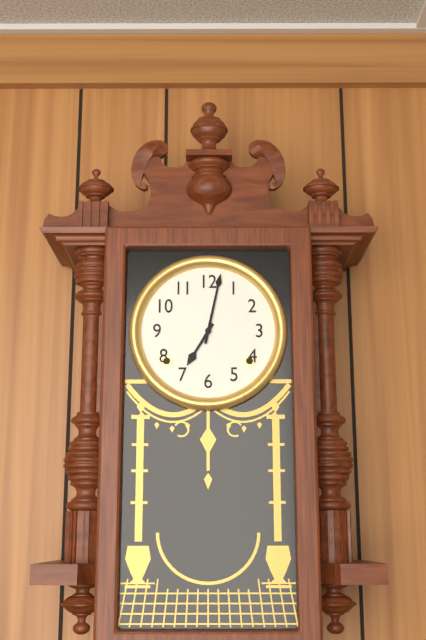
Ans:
7h02
